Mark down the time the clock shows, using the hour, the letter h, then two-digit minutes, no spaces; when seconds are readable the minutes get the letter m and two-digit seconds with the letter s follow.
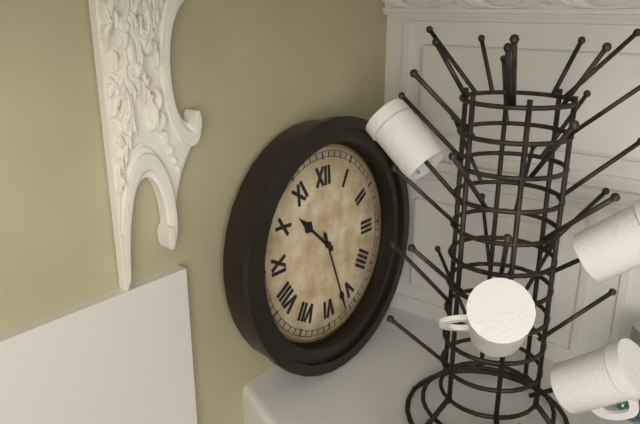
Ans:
10h27
